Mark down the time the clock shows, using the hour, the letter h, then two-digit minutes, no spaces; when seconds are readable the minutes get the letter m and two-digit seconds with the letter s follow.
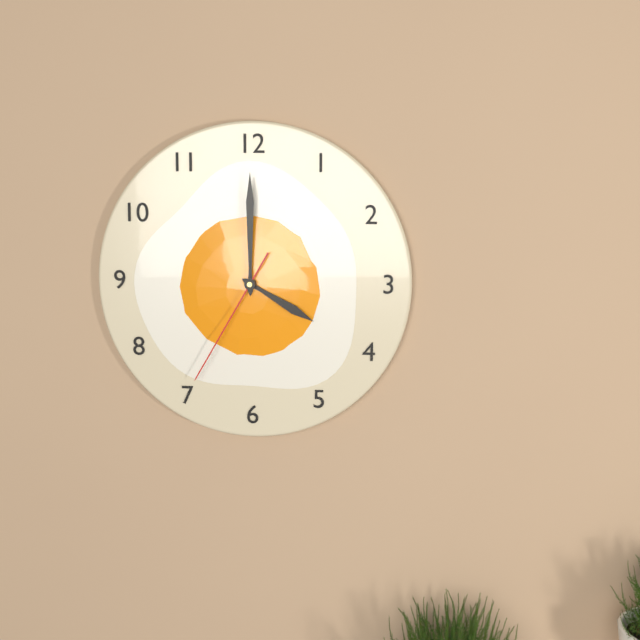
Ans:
4h00m35s
